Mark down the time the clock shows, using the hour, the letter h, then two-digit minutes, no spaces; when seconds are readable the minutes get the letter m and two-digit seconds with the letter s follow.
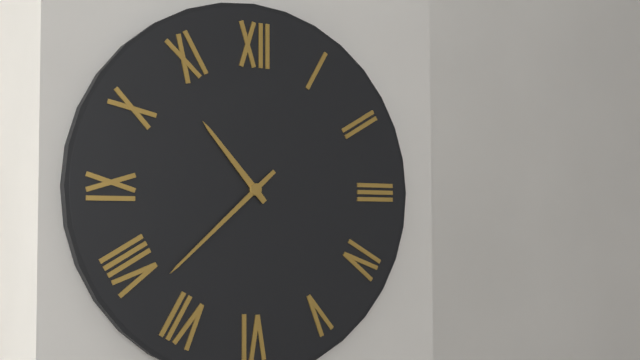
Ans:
10h38
